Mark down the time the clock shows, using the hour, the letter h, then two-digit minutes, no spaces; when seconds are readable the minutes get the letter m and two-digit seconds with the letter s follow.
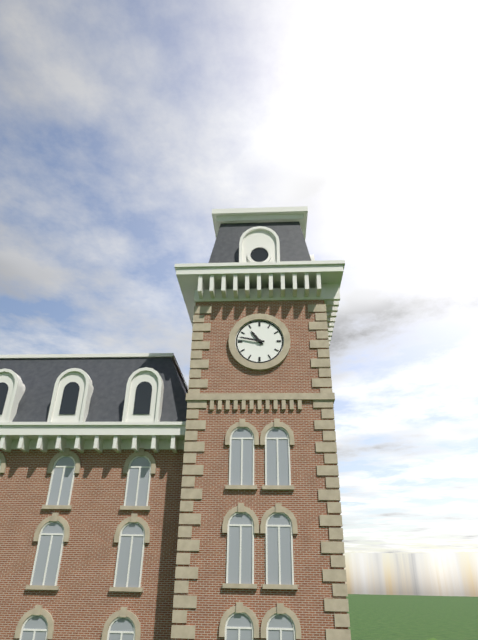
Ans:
10h47
